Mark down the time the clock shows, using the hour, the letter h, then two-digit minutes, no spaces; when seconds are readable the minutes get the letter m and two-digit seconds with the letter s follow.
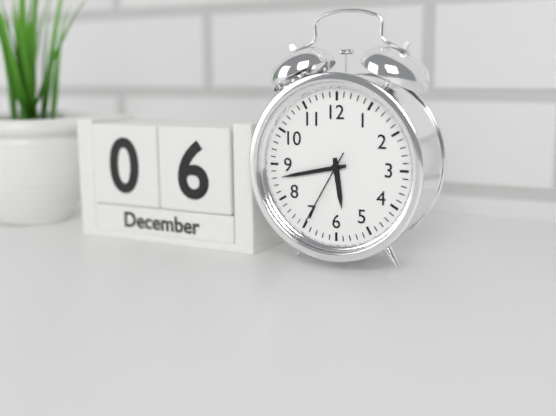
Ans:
5h43m35s
